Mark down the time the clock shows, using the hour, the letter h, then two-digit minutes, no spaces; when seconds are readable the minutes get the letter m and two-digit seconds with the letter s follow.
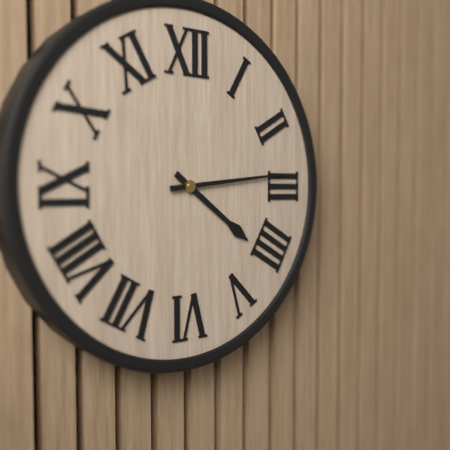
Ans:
4h14
